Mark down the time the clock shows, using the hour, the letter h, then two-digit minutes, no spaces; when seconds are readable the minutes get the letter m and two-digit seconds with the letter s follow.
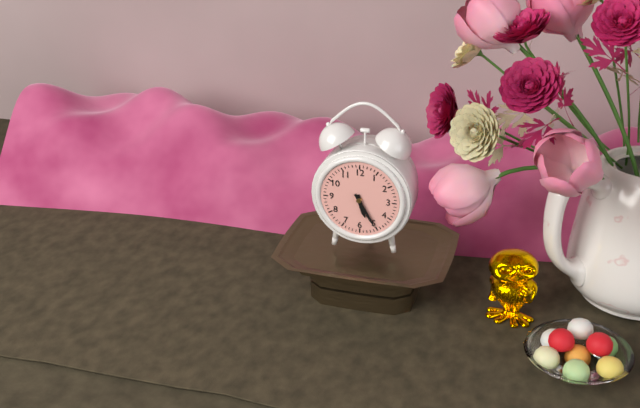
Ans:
5h25
